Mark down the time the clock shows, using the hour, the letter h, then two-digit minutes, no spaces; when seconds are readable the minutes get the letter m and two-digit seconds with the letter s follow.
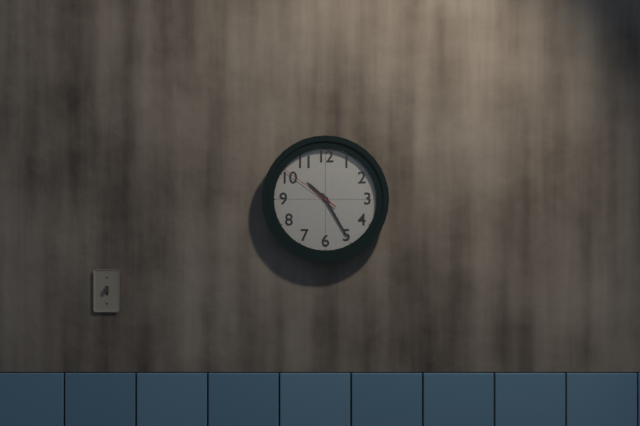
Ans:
10h25m51s
